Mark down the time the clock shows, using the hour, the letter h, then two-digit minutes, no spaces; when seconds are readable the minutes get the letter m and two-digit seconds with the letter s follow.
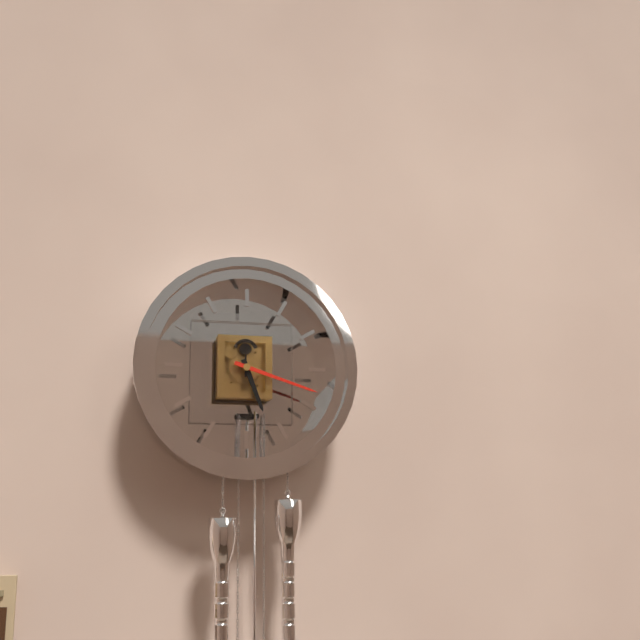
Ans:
5h18
